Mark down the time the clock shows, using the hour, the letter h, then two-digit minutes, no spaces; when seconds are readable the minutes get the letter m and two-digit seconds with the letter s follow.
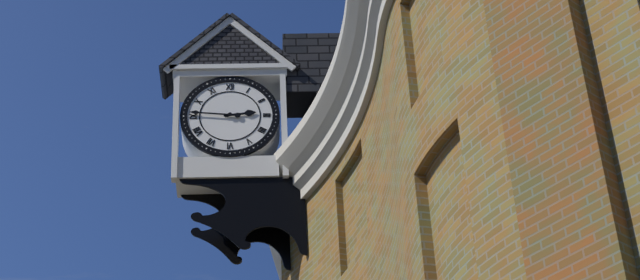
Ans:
2h46
